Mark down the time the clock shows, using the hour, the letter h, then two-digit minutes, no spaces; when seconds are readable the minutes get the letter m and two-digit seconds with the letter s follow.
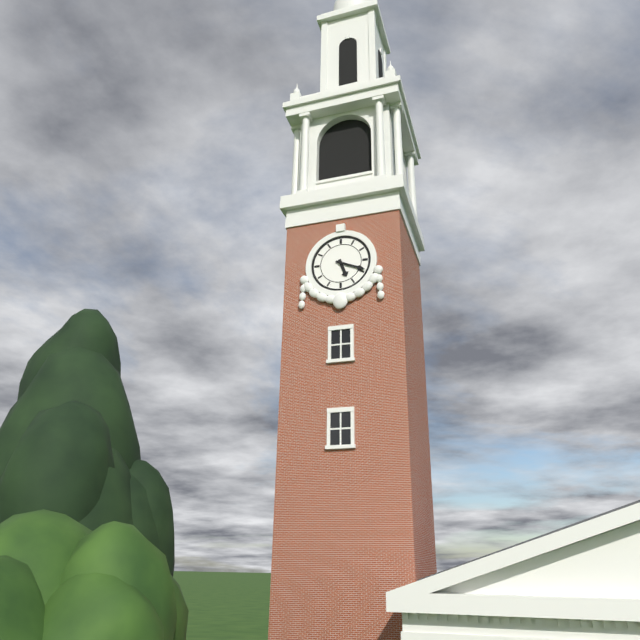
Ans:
5h19
